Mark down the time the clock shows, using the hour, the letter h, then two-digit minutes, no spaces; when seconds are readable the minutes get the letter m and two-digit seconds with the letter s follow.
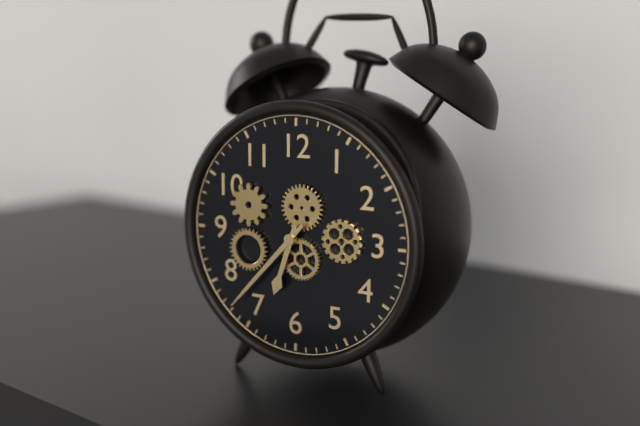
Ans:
6h37
